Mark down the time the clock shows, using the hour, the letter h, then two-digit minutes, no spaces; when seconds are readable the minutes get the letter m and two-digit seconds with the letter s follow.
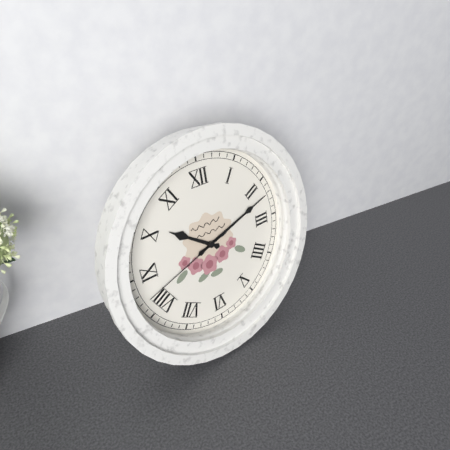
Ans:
10h12m42s
